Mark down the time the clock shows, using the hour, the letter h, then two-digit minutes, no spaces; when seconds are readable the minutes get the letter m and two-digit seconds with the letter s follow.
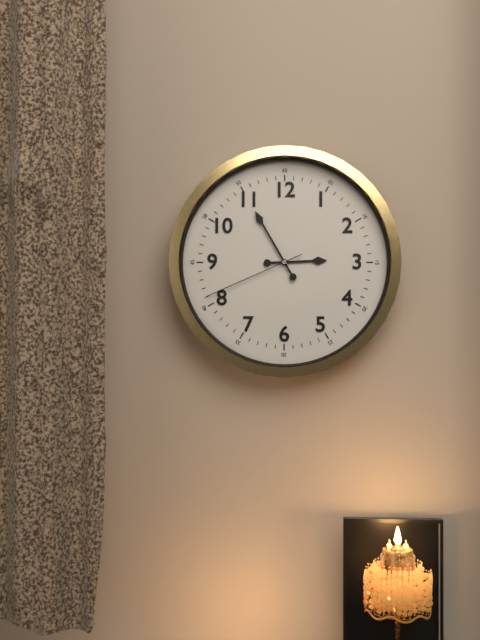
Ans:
2h55m41s
